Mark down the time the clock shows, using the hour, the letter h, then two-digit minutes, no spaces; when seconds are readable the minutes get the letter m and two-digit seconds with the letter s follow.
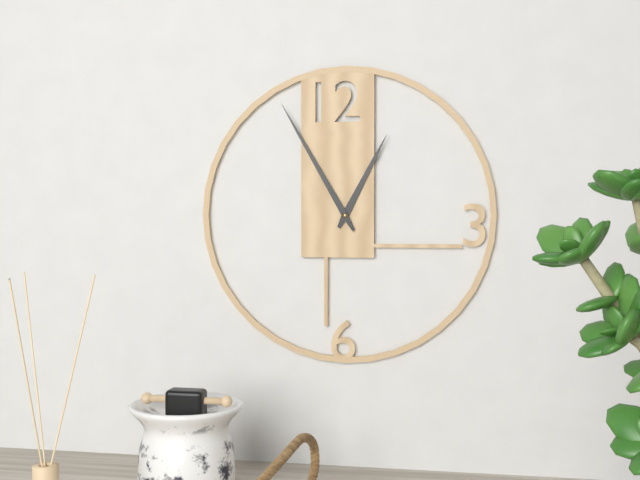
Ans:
12h55
